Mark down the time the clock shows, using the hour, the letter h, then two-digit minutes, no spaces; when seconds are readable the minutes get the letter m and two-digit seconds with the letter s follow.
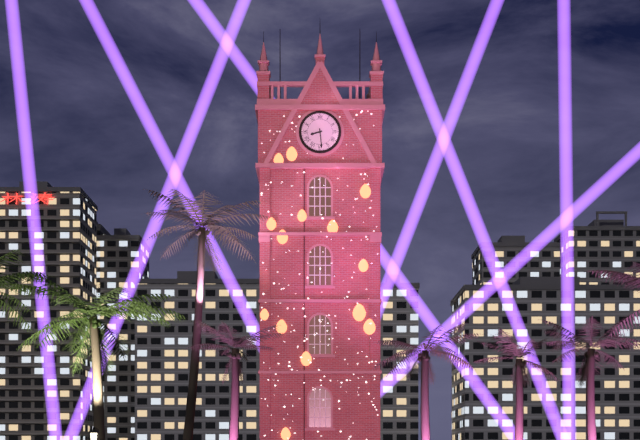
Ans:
8h29
